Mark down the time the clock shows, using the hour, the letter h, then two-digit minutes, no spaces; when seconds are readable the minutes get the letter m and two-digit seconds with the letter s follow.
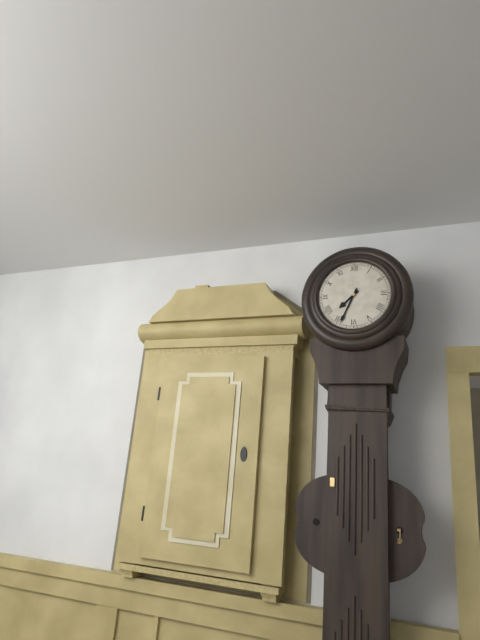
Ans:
7h34
